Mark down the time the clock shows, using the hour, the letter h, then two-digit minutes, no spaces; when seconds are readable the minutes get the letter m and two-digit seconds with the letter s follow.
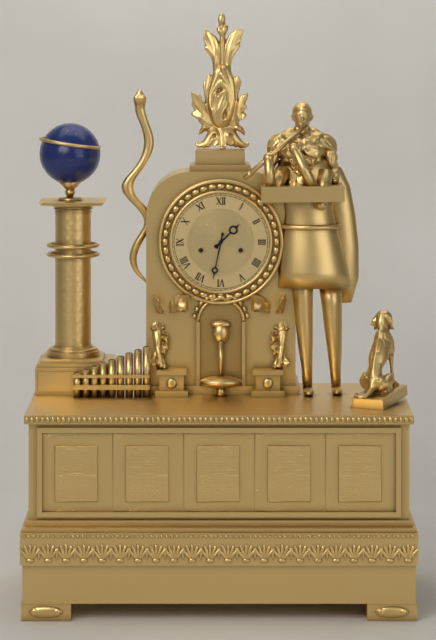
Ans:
1h32
